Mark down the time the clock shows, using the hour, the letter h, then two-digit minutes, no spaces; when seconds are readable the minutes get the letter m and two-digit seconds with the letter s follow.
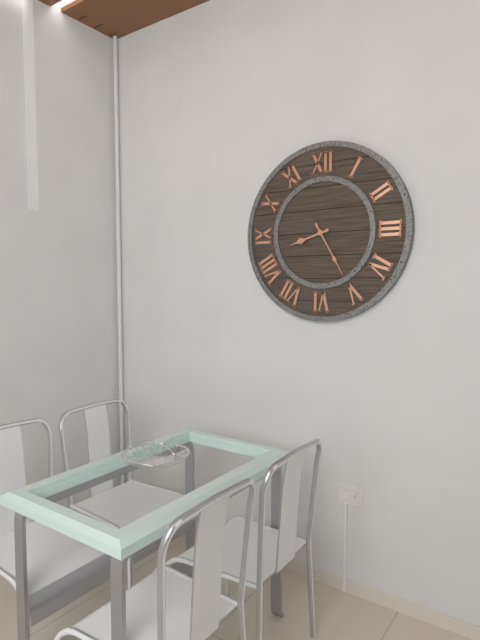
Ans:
8h25
